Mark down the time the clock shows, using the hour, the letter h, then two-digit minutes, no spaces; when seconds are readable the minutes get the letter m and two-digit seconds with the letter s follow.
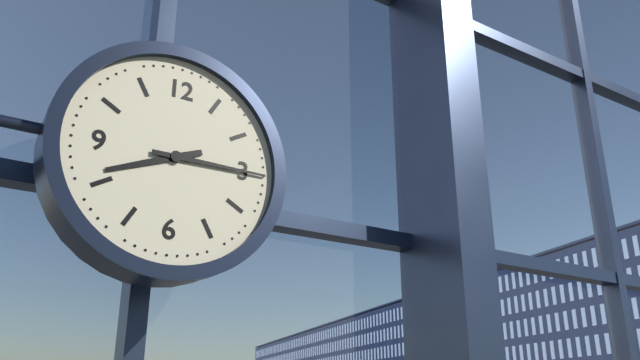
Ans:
8h15
